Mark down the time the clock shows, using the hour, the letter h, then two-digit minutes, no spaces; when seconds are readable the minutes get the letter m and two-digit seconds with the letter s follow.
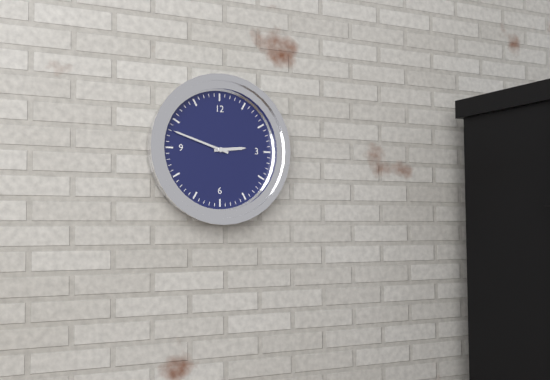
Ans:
2h48
